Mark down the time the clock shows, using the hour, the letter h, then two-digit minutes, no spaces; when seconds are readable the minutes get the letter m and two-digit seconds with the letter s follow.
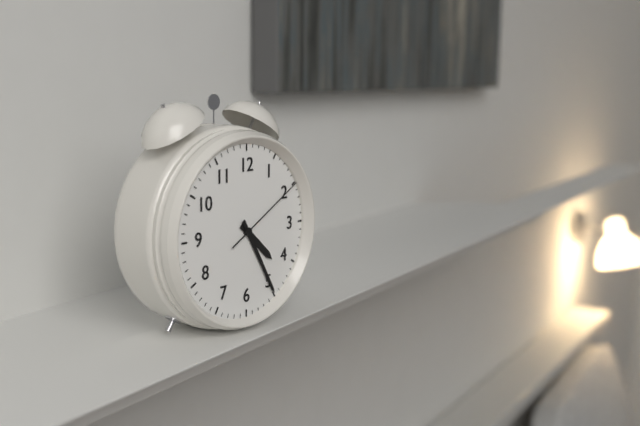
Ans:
4h25m10s
